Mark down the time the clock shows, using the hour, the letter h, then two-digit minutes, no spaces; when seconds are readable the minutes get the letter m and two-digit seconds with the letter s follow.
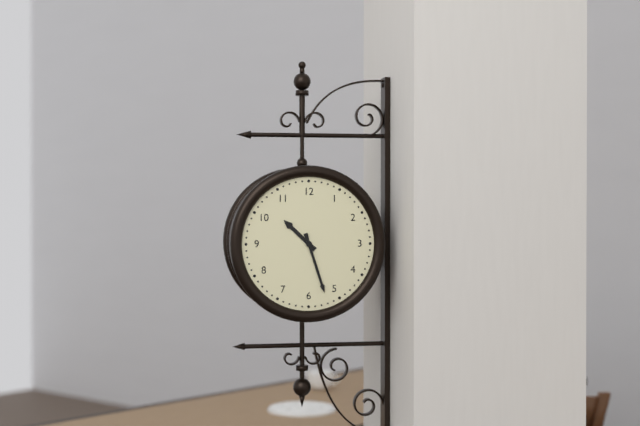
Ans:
10h27
